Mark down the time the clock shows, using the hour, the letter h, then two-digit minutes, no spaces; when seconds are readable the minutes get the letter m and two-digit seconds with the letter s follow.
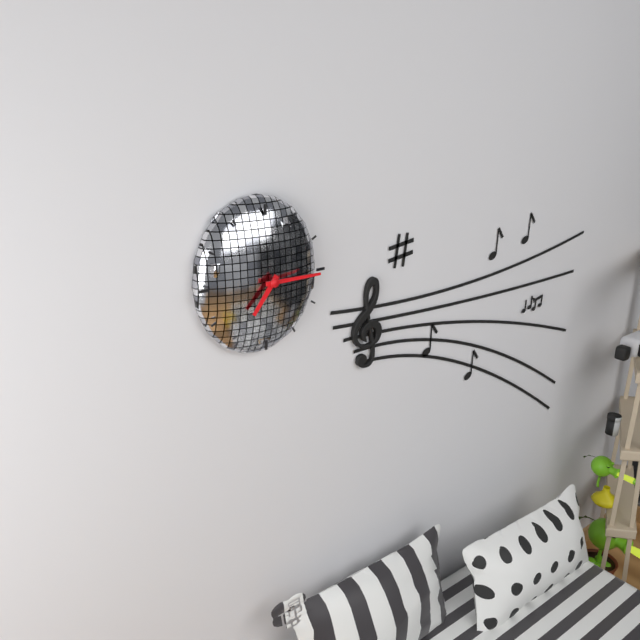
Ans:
7h15
